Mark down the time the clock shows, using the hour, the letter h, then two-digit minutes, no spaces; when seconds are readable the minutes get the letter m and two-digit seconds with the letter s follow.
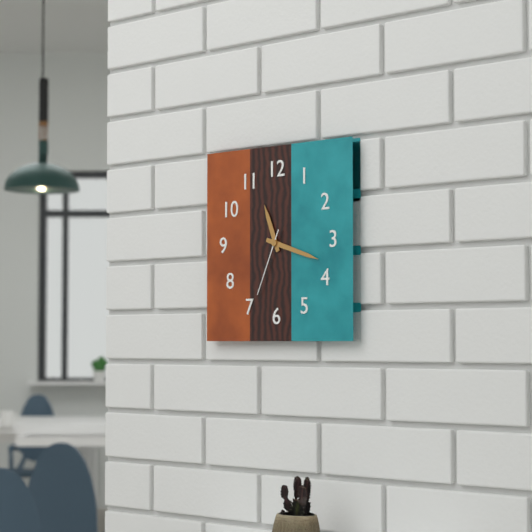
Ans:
11h18m34s
